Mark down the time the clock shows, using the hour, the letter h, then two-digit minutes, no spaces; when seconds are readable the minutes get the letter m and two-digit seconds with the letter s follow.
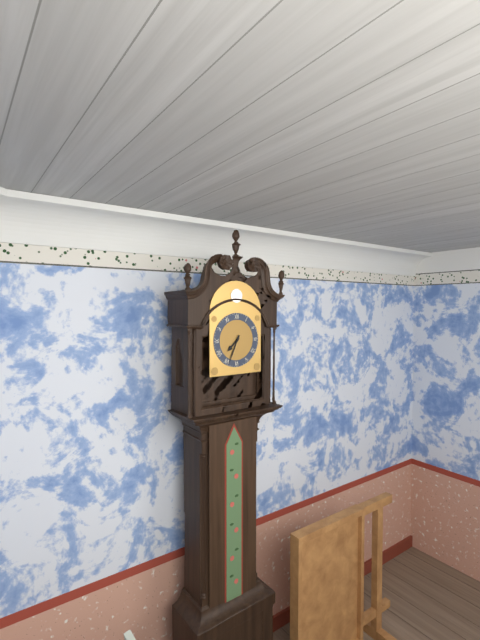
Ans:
7h34
